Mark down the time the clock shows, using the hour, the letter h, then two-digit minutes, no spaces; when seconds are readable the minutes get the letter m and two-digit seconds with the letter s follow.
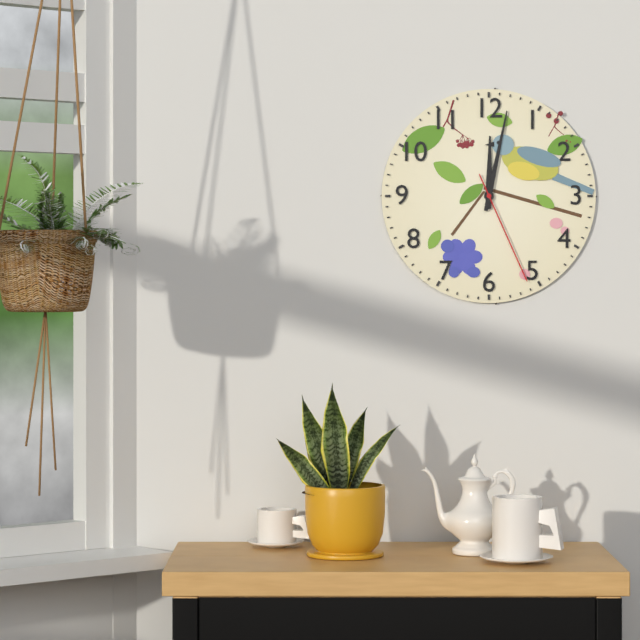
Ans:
12h02m26s
